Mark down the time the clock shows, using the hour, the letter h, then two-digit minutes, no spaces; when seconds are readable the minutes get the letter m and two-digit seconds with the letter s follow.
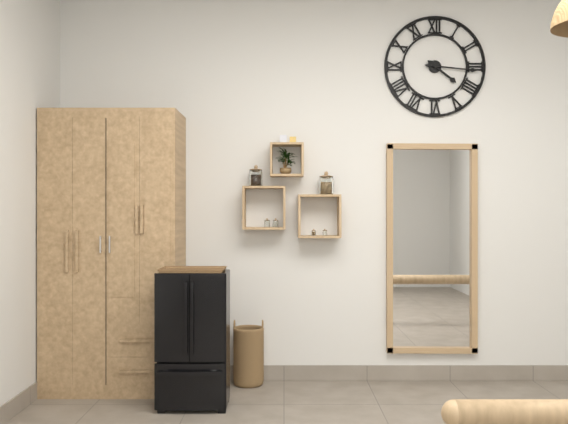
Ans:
4h16
